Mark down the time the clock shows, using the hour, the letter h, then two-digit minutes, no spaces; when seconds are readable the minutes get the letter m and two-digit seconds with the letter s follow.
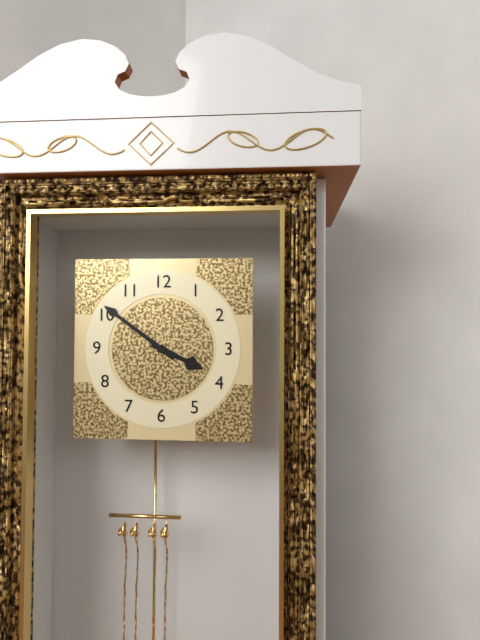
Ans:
3h51
